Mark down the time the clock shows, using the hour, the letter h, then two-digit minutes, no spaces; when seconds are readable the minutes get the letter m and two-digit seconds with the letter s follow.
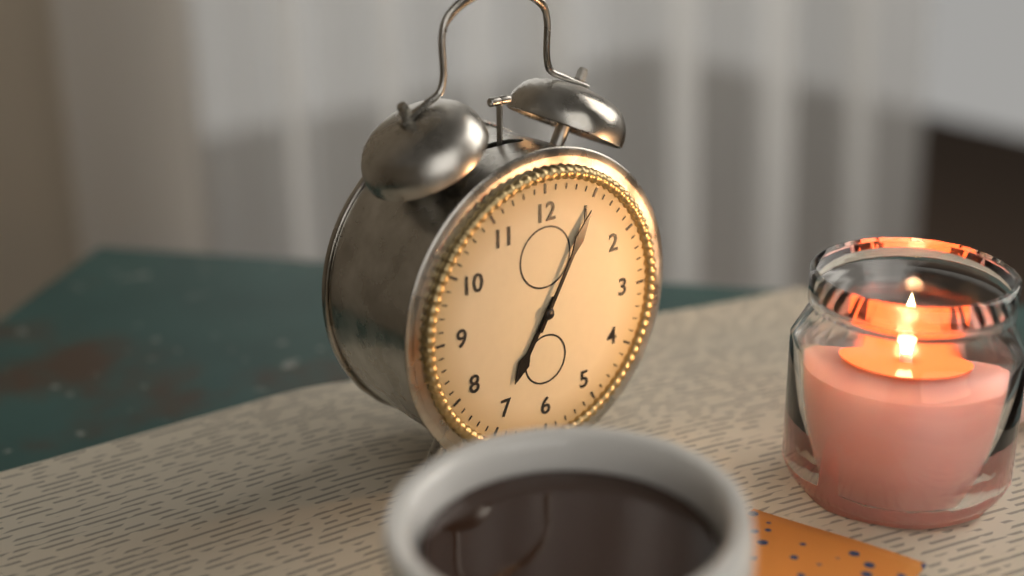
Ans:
7h05
